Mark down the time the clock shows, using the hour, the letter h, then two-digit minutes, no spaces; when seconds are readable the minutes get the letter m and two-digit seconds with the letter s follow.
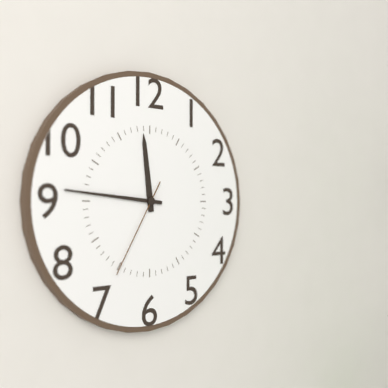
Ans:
11h46m35s
